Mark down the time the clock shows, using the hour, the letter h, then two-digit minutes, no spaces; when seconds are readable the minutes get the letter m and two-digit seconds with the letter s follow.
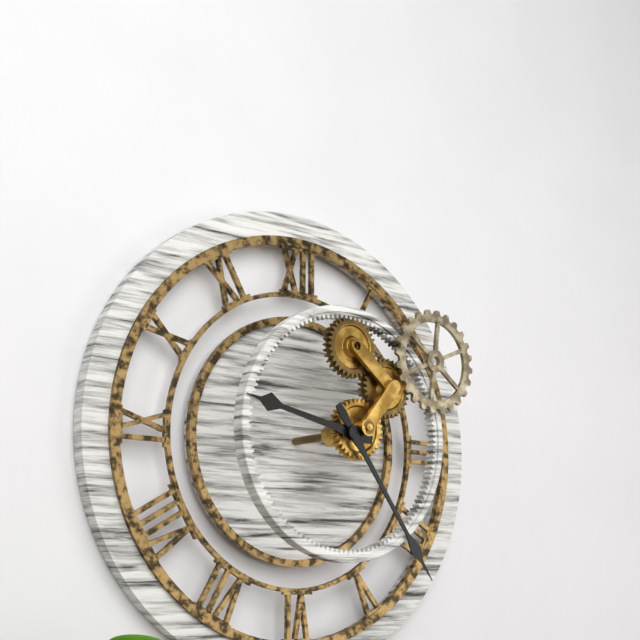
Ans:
9h24
